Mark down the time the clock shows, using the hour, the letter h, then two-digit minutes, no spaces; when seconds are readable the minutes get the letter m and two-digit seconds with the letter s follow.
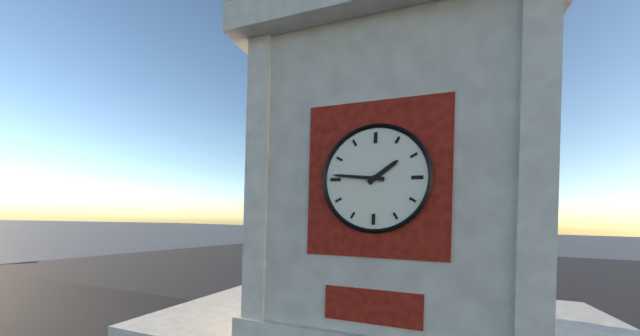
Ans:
1h46
